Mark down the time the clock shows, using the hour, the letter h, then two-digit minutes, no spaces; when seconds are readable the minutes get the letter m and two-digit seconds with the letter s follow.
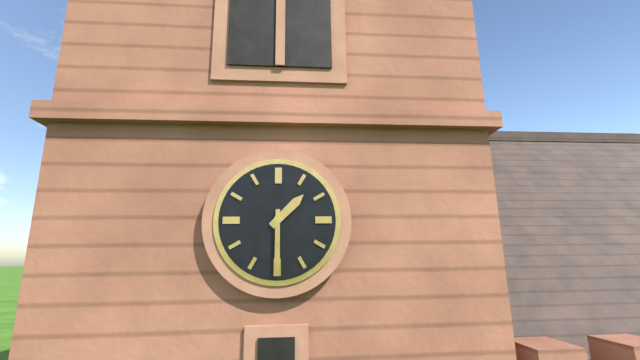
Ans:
1h30
